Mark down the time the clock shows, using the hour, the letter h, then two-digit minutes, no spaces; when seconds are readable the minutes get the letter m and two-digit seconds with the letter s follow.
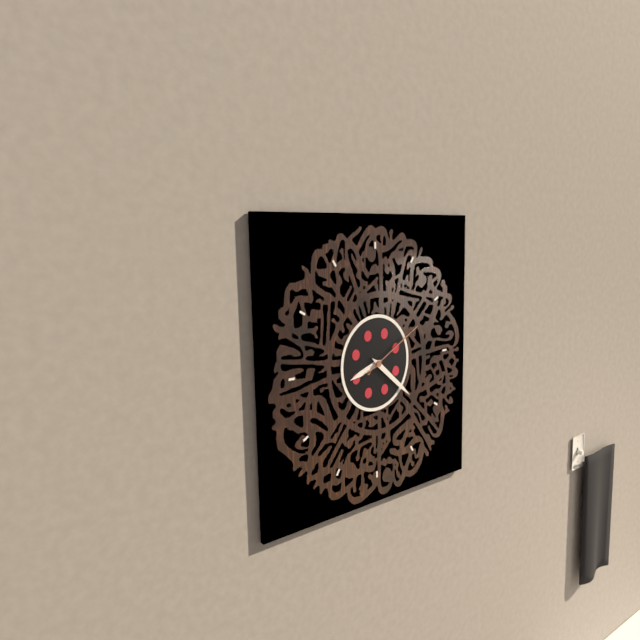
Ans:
8h22m10s
